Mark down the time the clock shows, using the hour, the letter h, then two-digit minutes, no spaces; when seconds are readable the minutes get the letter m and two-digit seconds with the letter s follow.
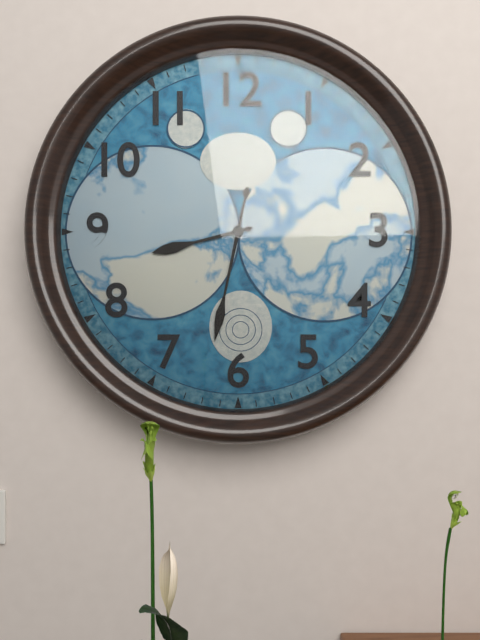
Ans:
8h32
